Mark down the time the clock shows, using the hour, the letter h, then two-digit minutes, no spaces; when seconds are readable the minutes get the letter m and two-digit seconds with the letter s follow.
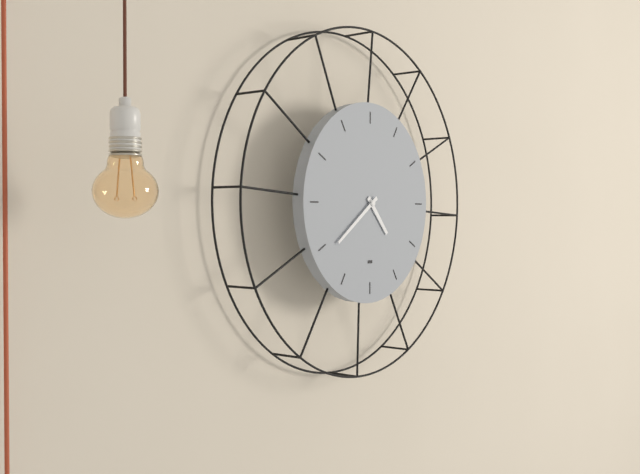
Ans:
4h39
